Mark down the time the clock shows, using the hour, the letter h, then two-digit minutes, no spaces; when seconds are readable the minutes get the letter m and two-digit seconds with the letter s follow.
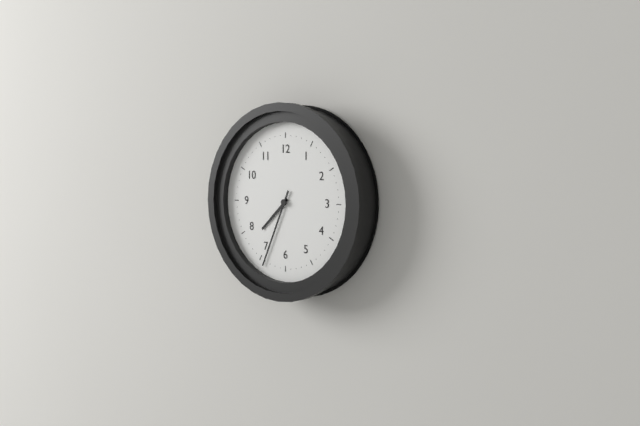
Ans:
7h34
